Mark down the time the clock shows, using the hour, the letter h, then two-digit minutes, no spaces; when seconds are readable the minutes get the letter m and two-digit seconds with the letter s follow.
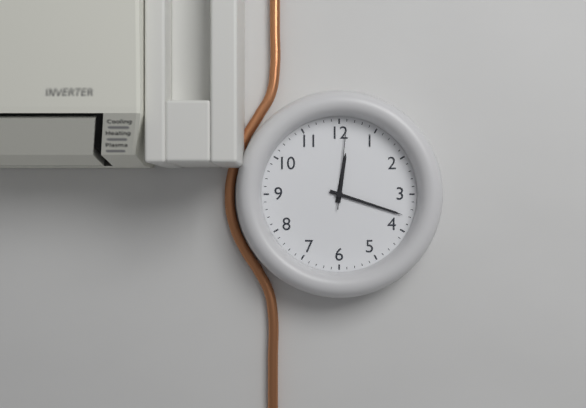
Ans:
12h18m01s
